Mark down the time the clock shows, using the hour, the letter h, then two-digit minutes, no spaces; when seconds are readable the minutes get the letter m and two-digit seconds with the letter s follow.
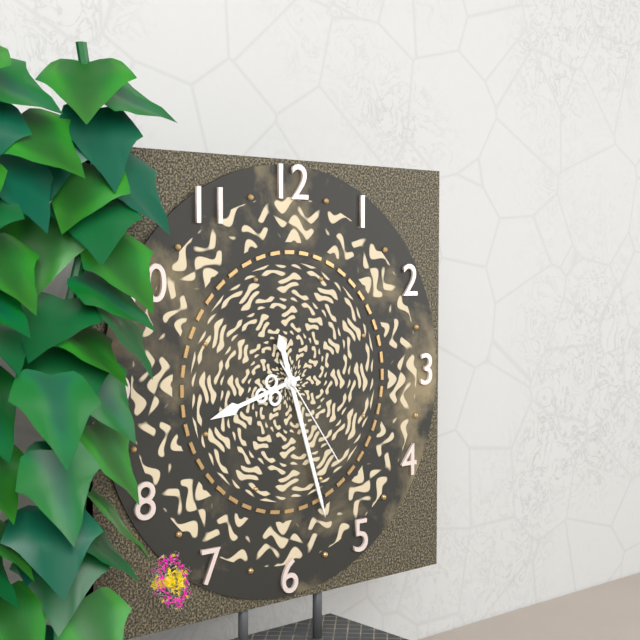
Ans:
8h27m24s
